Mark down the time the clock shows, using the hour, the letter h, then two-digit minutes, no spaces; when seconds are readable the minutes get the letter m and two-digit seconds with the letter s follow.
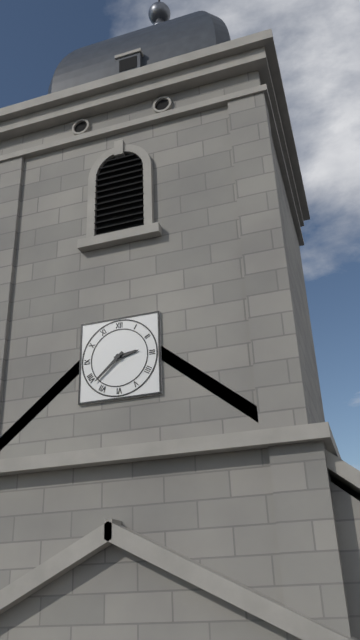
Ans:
2h38
